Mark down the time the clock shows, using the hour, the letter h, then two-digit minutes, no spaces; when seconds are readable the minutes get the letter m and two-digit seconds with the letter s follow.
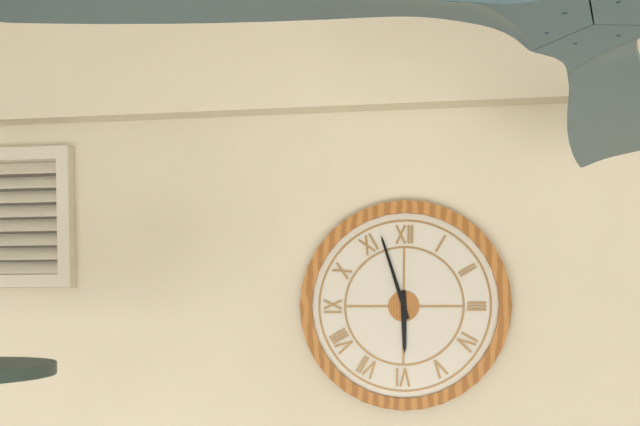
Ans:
5h57
